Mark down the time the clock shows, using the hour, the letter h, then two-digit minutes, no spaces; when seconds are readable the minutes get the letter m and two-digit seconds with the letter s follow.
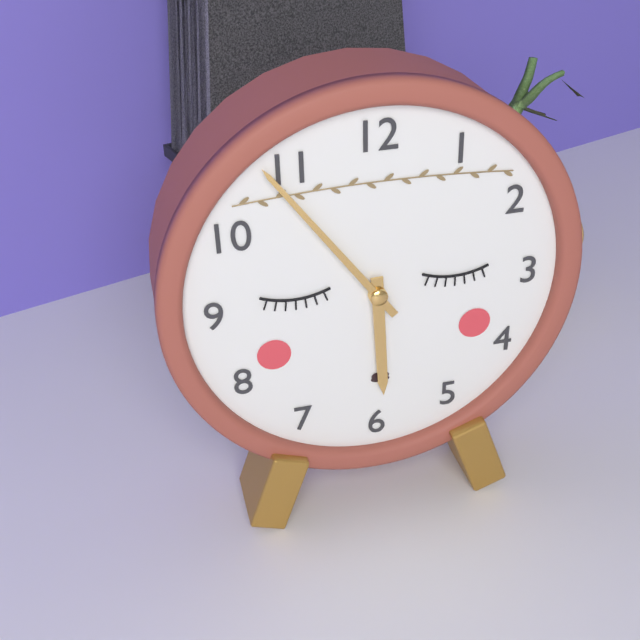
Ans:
5h54
